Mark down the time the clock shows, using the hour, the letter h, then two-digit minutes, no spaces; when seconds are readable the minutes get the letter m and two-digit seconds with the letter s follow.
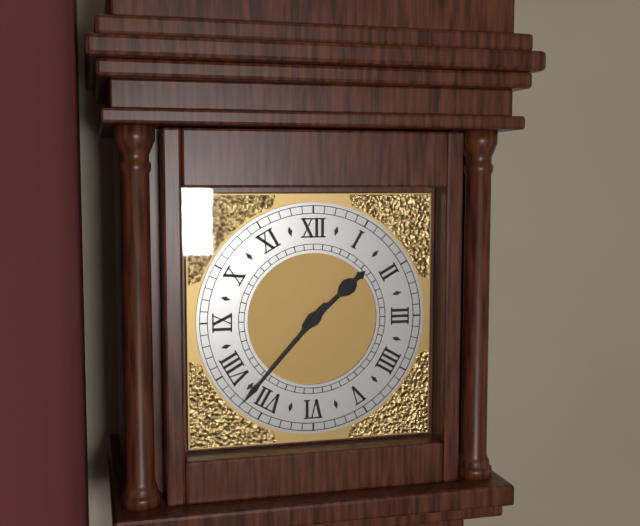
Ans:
1h37
